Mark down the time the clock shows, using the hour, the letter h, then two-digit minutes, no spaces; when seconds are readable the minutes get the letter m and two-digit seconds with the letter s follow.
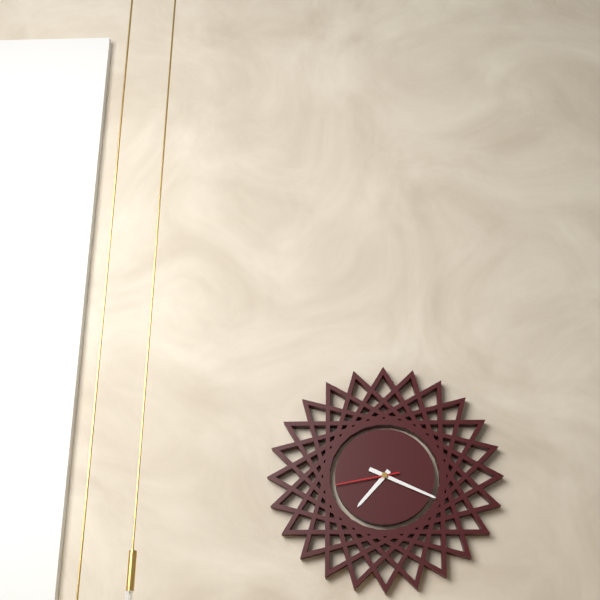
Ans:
7h19m43s
